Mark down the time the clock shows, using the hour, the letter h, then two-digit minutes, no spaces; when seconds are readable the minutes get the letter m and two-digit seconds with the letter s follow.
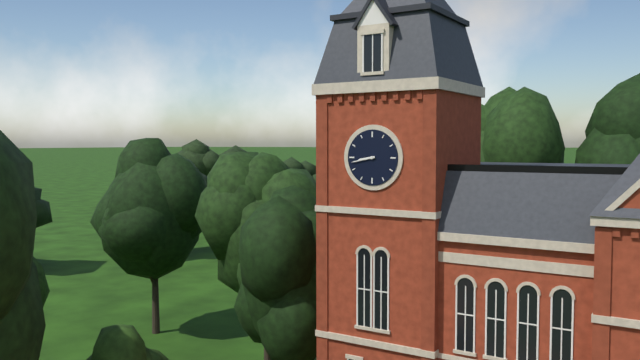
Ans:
8h43
